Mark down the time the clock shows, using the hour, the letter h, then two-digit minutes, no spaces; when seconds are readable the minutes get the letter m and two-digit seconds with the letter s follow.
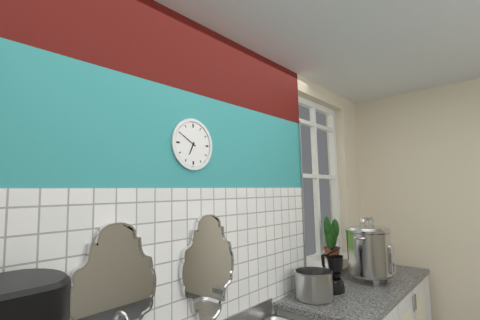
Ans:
6h50
